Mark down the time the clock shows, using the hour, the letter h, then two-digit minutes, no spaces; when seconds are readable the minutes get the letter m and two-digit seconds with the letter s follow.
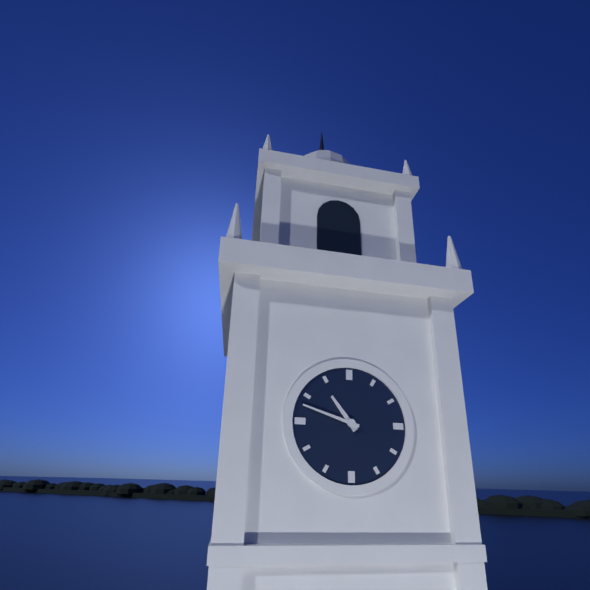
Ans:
10h48
